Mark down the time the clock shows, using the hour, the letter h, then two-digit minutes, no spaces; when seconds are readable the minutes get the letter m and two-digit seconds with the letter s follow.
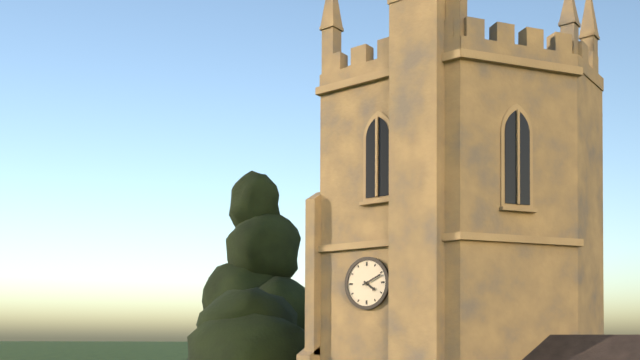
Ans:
4h11
